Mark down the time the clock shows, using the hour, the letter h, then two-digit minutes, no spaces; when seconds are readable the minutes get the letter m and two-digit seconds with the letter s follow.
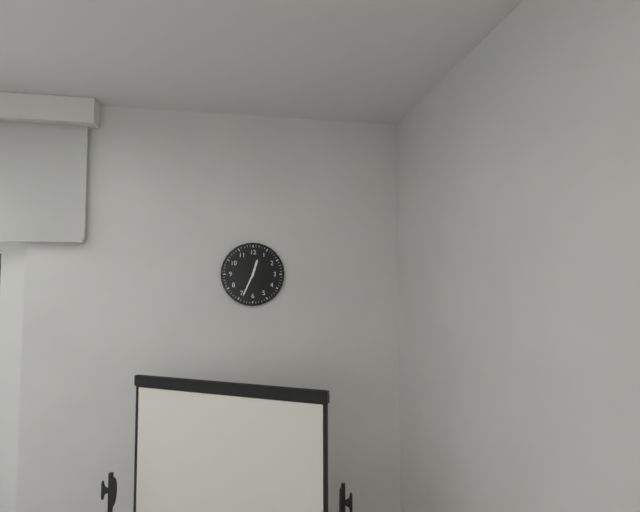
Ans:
12h34
